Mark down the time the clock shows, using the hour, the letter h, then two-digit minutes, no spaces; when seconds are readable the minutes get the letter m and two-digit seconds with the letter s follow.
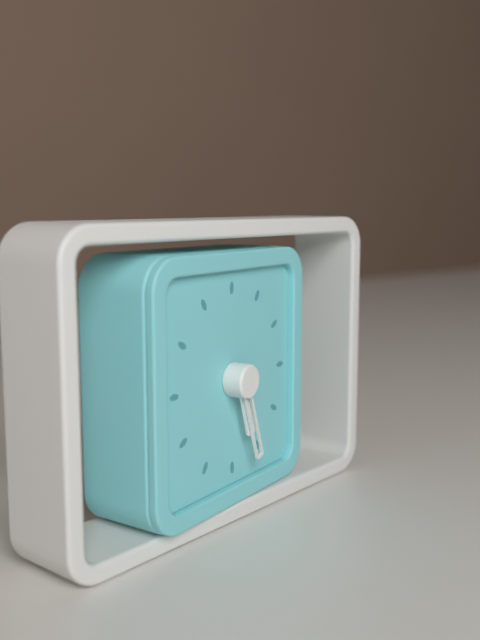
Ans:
5h27
